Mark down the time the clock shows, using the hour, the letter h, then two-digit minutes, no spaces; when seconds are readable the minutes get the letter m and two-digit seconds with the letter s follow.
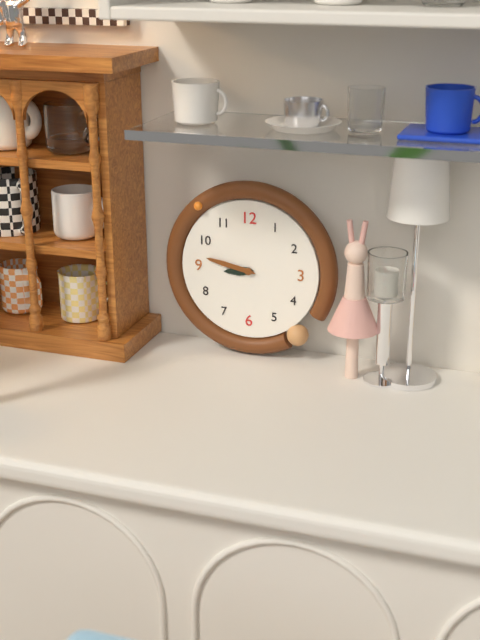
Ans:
8h47
